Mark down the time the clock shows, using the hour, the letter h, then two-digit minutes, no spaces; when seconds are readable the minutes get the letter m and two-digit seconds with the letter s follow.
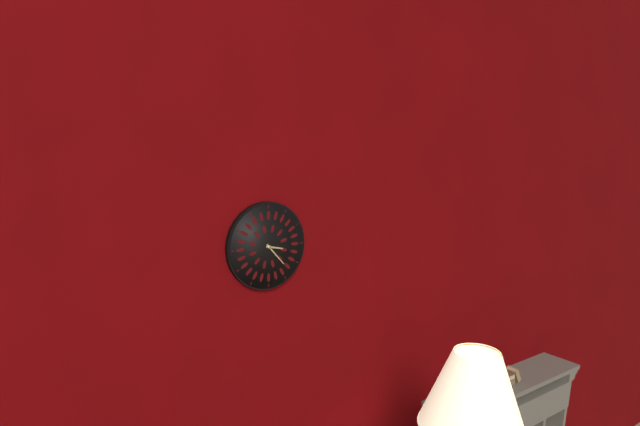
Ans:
3h23
